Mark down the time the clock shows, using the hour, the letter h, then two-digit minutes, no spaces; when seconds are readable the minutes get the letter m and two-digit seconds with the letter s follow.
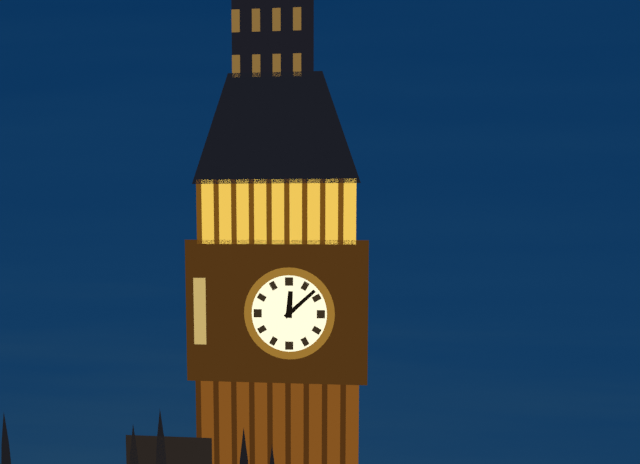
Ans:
12h08
